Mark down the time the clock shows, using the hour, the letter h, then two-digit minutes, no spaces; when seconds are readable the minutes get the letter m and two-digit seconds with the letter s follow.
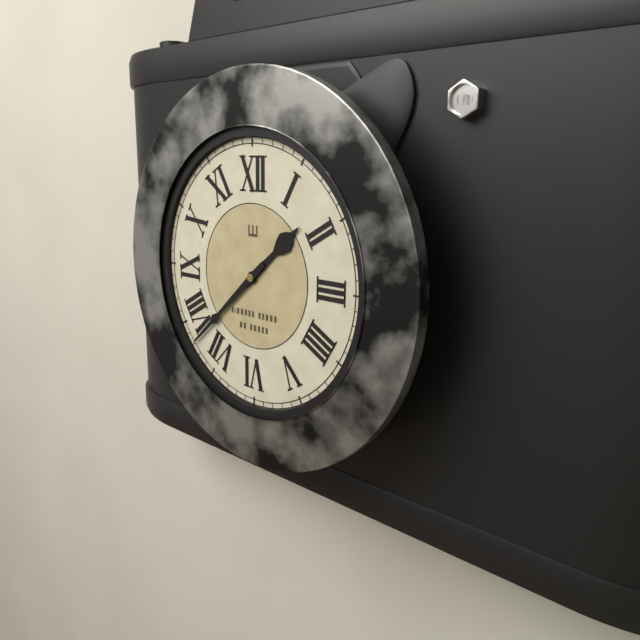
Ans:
1h38
